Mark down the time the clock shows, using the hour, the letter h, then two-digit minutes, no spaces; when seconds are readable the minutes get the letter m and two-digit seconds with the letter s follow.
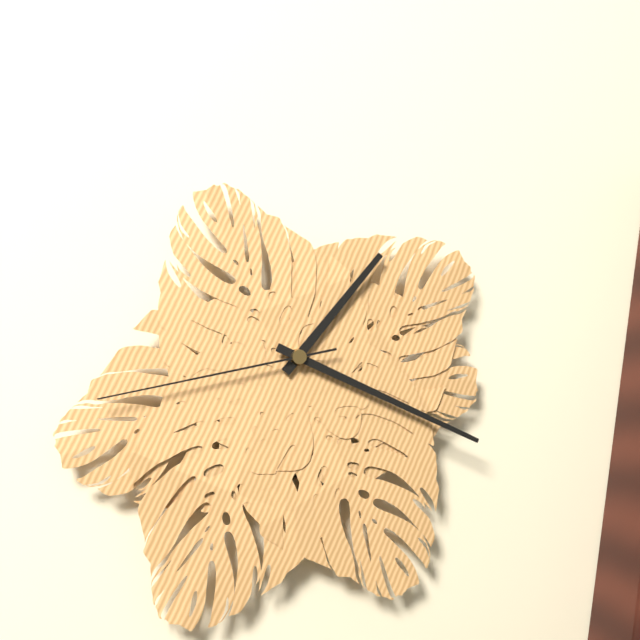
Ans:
1h19m43s
